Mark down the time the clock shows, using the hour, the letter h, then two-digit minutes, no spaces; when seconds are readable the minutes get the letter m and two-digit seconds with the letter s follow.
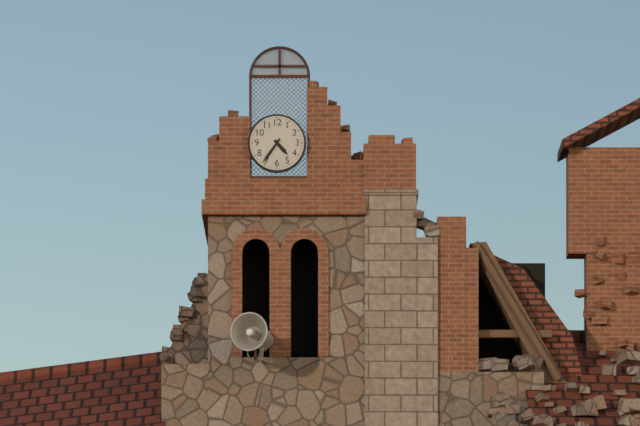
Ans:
4h36
